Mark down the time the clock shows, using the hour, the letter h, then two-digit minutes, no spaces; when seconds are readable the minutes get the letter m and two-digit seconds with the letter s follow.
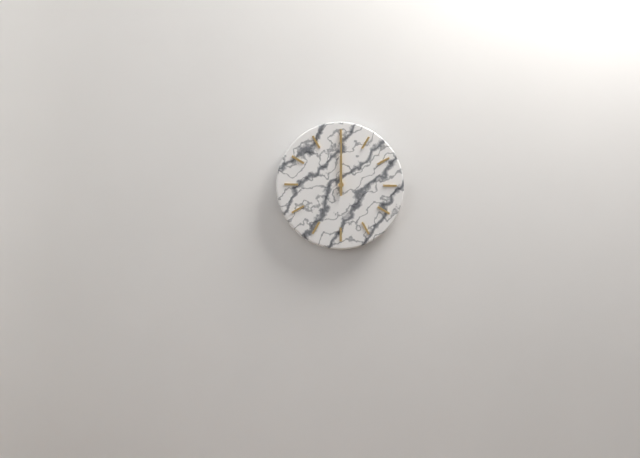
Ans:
12h00
